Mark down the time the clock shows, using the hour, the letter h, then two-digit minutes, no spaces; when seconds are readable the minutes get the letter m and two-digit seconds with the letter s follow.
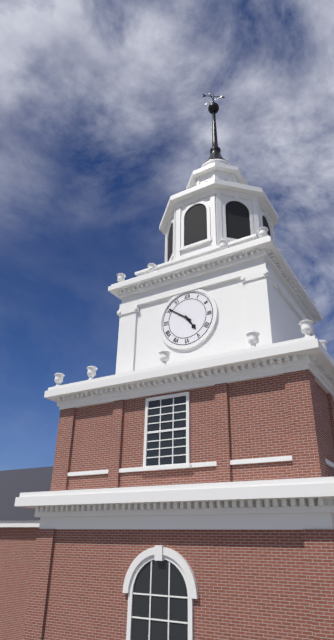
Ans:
4h51
